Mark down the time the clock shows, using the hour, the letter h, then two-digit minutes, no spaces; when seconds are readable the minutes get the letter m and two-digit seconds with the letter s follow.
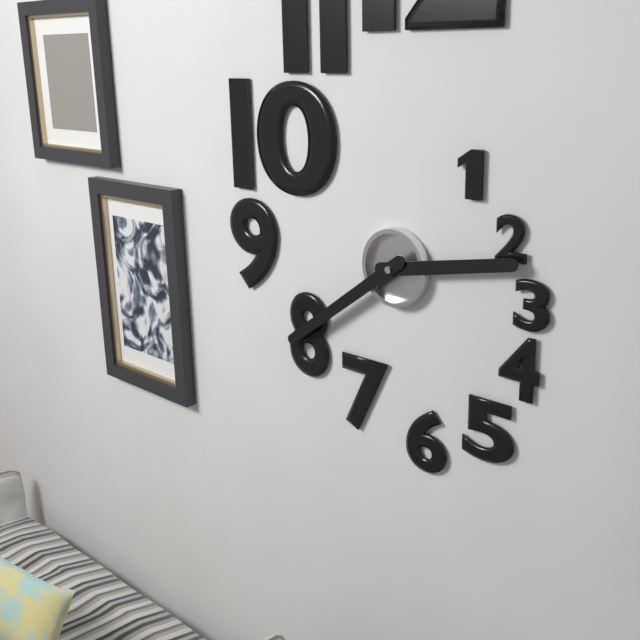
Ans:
2h39
